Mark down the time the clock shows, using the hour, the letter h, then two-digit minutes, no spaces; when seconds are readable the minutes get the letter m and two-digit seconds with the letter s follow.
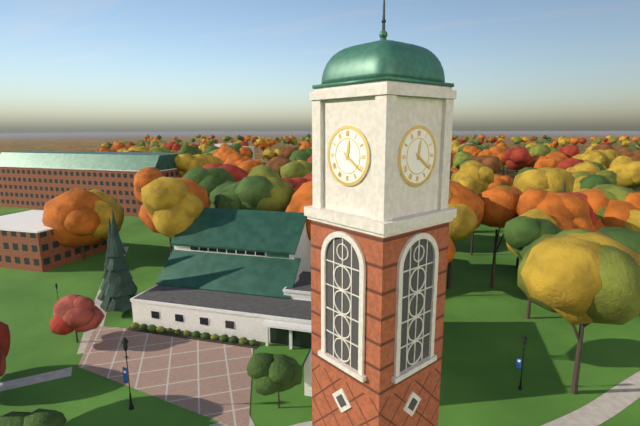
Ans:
12h21
